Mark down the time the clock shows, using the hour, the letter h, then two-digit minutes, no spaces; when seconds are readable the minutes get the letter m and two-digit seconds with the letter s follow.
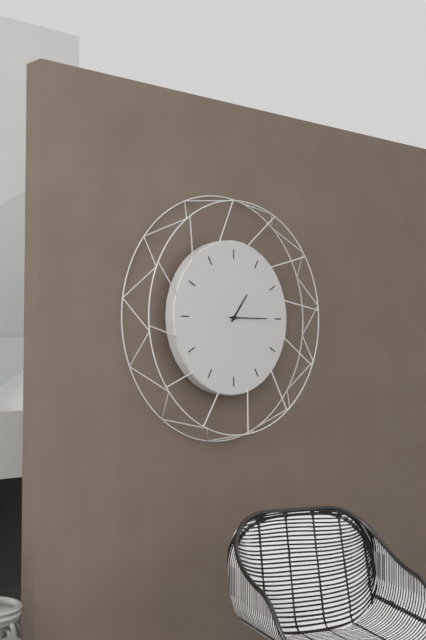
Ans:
1h15
